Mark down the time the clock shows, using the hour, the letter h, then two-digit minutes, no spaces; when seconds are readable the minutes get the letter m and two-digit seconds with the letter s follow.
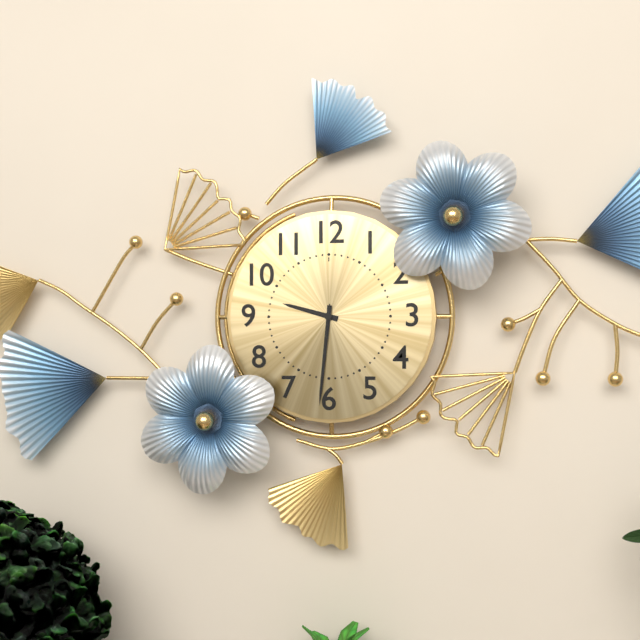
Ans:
9h31
